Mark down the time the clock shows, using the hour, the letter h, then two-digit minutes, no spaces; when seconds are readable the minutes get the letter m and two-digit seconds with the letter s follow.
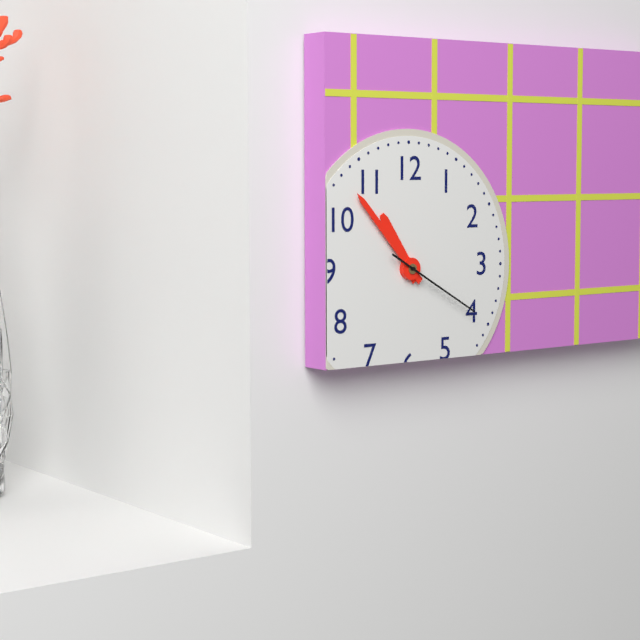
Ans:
10h53m20s
